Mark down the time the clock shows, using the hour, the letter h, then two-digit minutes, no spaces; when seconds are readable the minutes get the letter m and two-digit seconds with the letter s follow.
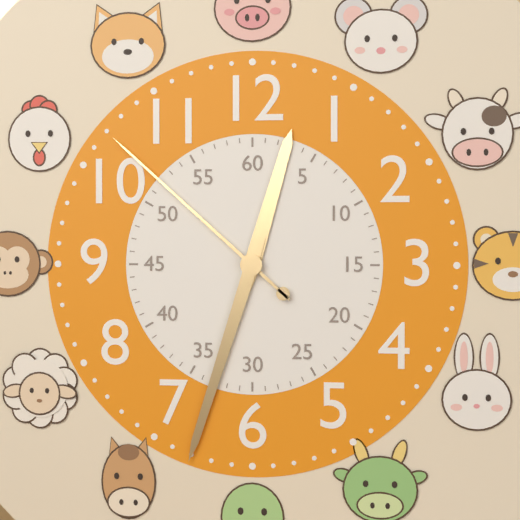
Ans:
12h33m52s
